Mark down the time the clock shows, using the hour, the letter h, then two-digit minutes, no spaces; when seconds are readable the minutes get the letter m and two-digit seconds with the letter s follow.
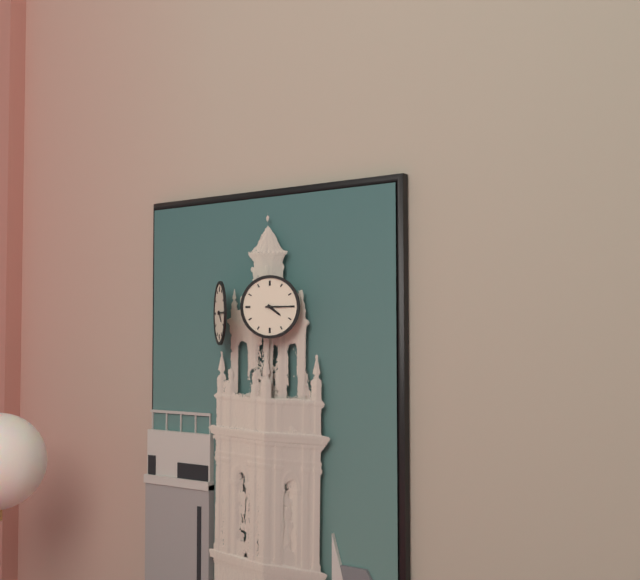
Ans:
4h15
